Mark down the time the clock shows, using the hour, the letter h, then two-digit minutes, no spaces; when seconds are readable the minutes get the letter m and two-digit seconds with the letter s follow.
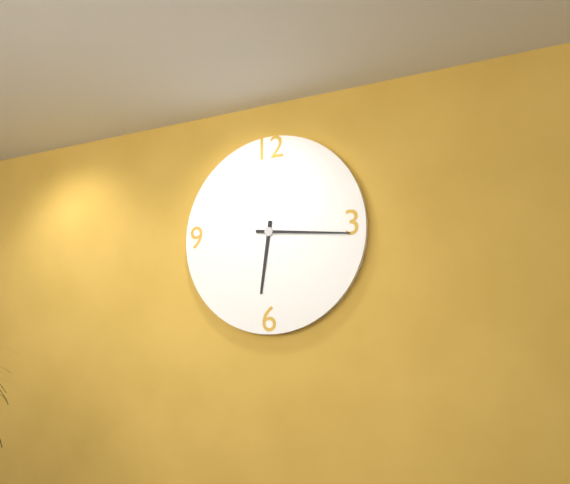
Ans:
6h16
